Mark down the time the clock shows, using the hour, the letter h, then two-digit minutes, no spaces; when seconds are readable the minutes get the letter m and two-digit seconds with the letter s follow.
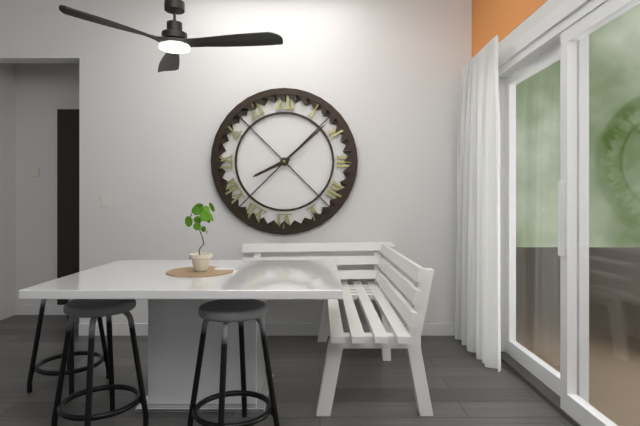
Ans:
8h08
